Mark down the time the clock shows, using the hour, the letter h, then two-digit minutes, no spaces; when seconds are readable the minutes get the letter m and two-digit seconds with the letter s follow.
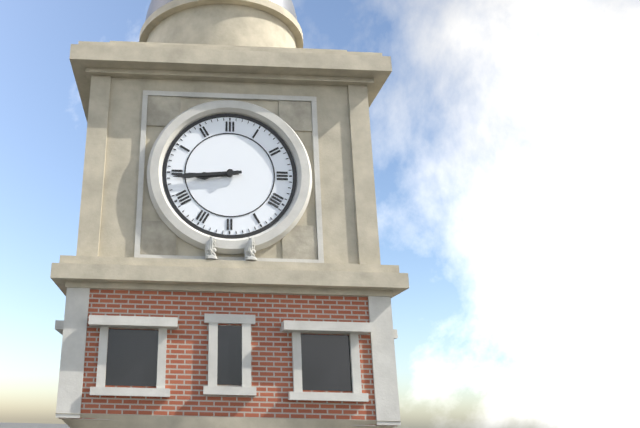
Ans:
8h44
